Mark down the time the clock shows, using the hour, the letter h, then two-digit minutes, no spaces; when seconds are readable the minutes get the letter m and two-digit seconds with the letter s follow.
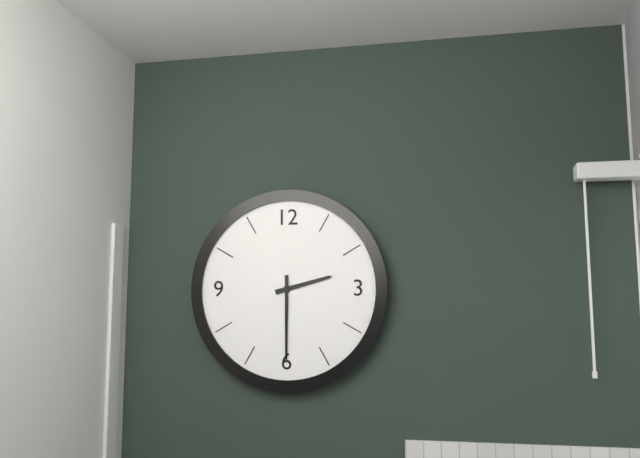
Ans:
2h30
